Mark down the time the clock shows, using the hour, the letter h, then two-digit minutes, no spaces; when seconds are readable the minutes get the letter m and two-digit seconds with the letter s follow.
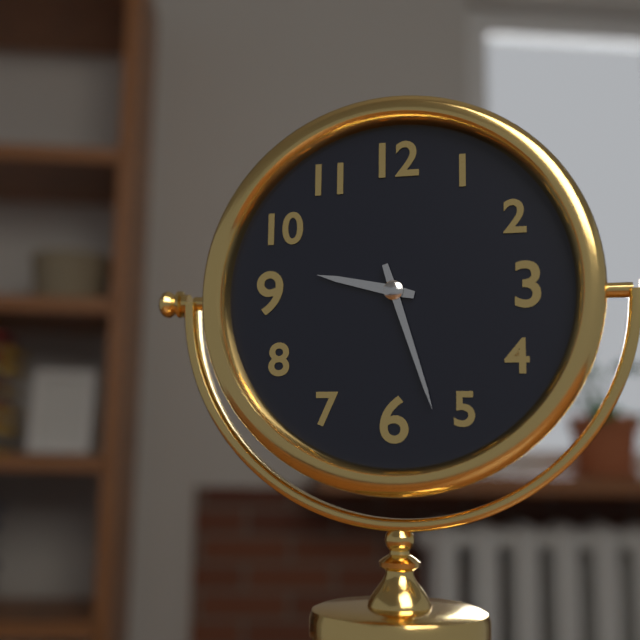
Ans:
9h27
